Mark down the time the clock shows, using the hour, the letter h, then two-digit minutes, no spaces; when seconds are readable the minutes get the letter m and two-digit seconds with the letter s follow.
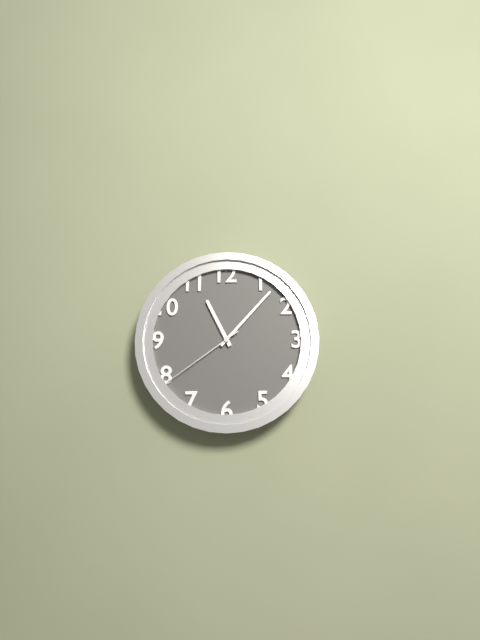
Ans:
11h07m39s
